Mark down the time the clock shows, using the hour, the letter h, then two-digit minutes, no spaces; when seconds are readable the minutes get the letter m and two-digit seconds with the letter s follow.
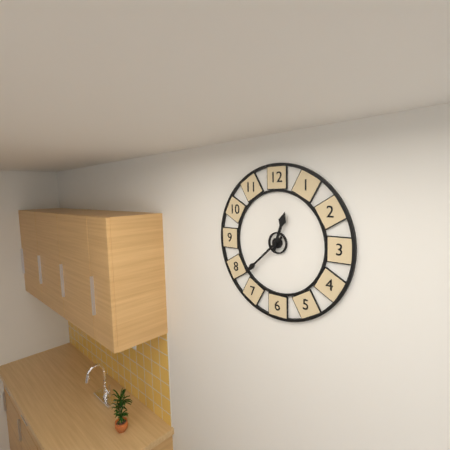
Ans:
12h38
